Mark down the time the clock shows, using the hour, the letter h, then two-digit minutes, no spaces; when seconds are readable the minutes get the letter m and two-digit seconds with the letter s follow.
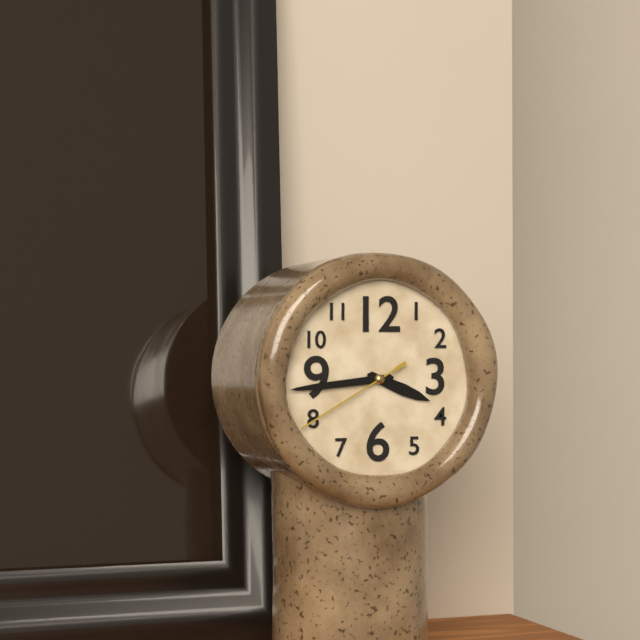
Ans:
3h44m40s
